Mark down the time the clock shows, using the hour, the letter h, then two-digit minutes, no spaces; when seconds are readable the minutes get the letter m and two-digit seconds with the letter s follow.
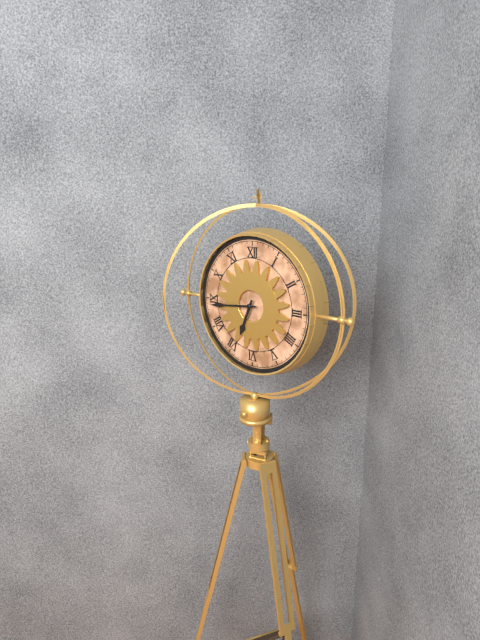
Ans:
6h44
